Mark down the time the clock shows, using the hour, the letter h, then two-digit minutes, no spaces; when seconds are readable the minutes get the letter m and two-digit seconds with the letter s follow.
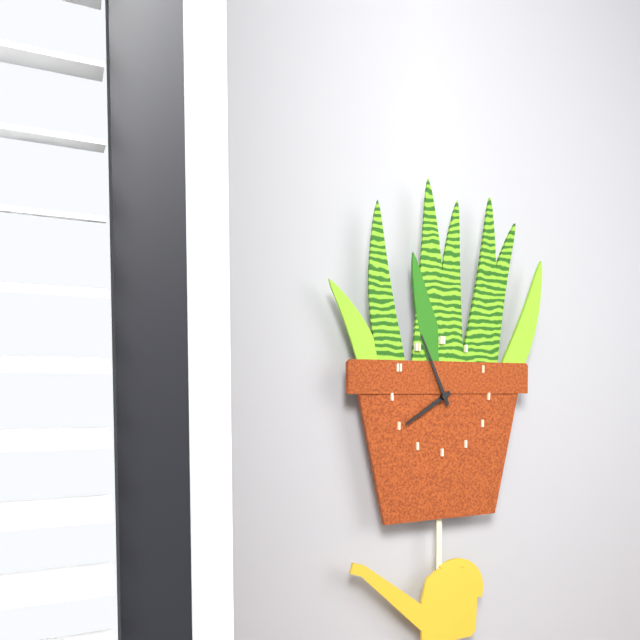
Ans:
7h56
